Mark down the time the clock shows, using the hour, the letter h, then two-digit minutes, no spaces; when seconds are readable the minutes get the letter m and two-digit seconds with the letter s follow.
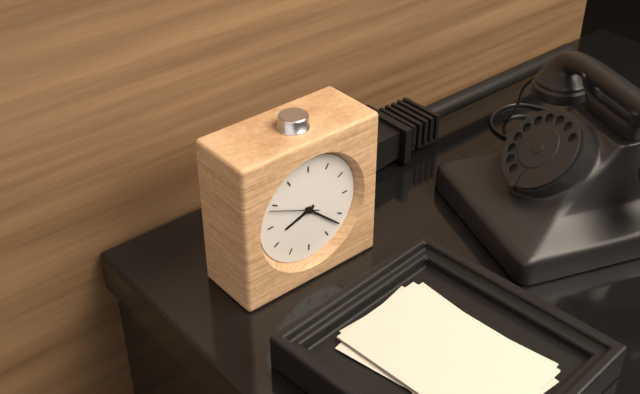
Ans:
8h22
